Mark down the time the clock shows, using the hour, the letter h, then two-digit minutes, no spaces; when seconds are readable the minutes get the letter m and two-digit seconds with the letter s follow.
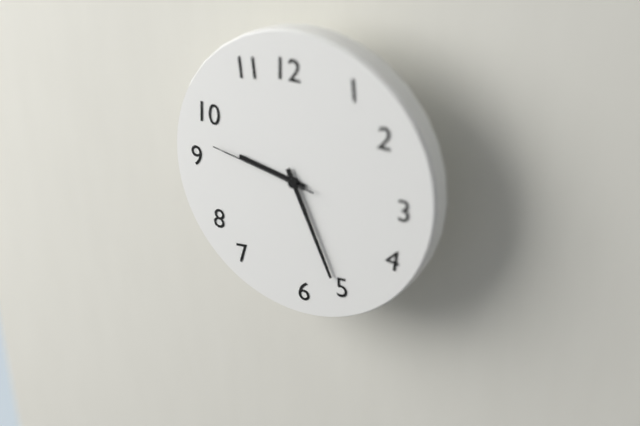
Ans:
9h26m47s
